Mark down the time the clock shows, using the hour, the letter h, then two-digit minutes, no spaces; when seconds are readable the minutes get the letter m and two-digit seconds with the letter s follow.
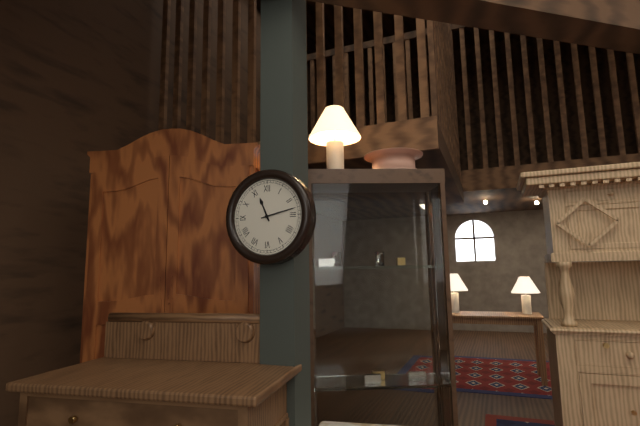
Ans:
11h13
